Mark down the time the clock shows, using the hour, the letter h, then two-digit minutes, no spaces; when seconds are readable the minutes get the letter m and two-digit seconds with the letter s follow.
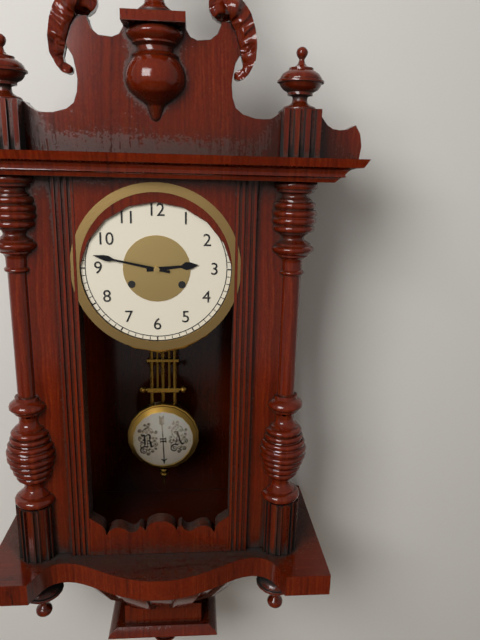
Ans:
2h47
